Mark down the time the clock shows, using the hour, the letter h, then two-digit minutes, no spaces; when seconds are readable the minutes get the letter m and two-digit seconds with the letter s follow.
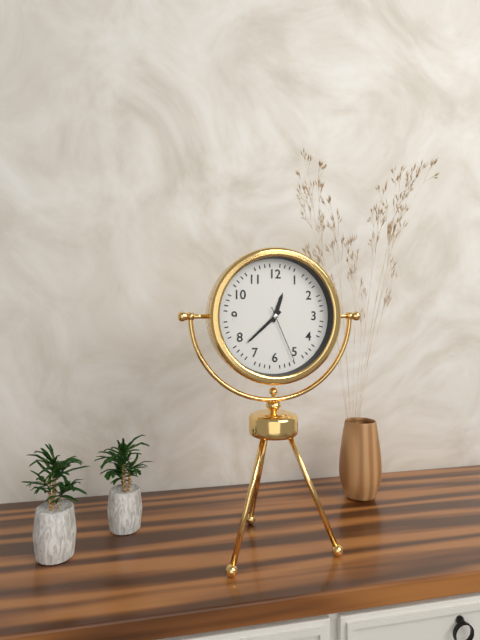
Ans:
12h38m26s
